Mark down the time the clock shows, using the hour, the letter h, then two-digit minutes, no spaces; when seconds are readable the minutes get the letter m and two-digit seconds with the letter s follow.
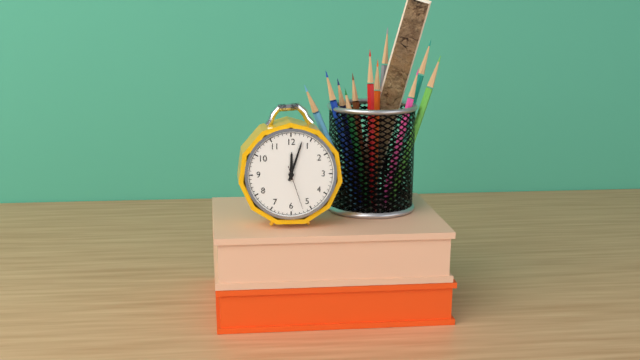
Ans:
12h03
